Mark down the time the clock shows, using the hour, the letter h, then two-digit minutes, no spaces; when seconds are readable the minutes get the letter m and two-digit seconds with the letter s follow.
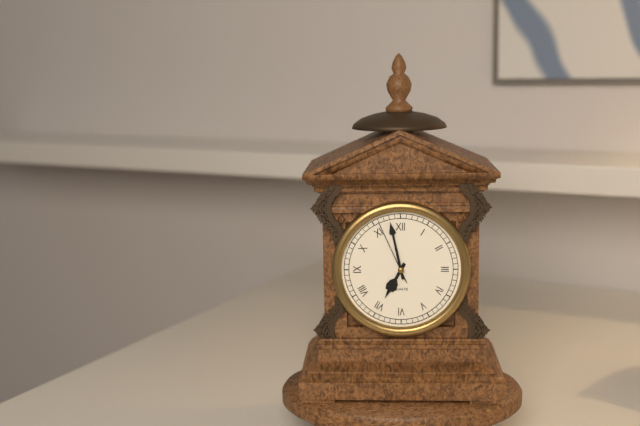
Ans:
6h58m56s
